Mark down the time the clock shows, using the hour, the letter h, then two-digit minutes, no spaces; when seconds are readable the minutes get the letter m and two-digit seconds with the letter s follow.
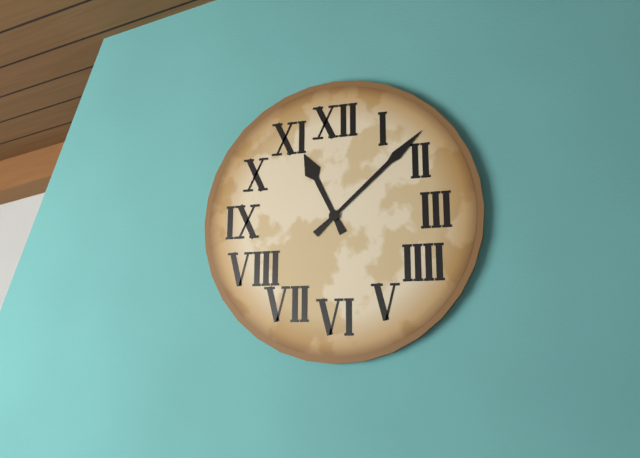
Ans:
11h08
